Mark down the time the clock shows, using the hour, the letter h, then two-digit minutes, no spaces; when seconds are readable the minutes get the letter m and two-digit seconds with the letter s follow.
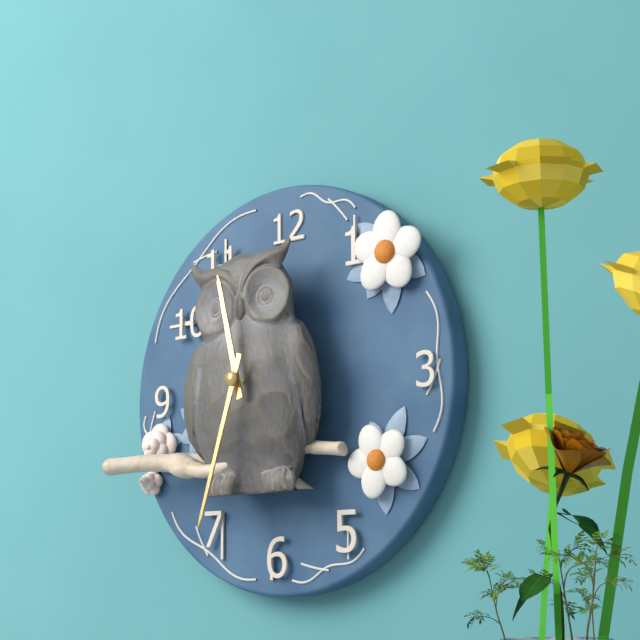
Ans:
11h33
